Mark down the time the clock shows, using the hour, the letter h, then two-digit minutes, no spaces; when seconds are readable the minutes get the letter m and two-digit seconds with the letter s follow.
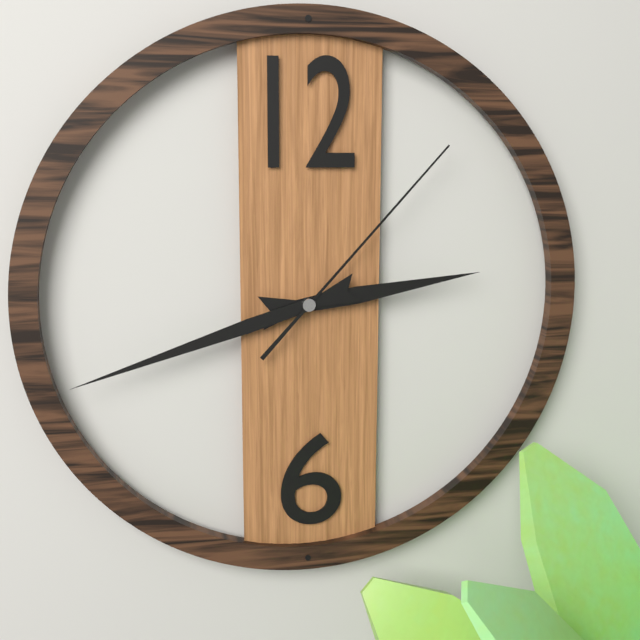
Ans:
2h42m07s
